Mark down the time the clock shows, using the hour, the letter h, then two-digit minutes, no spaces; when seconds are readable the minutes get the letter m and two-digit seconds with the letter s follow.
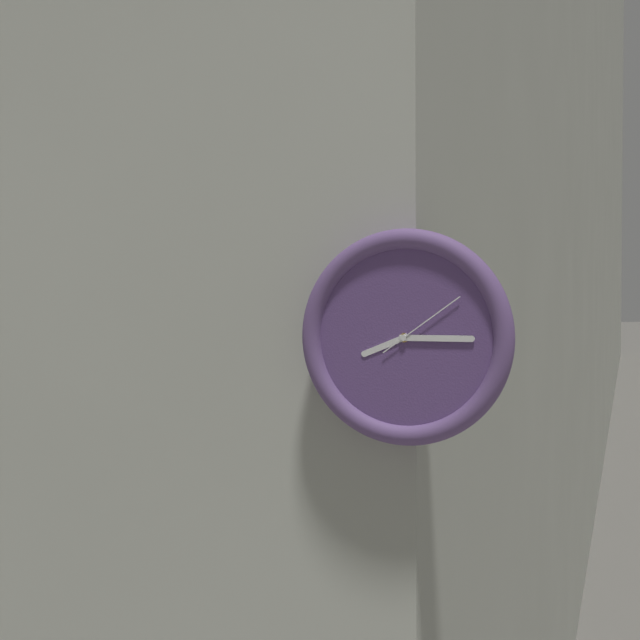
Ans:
8h15m09s
